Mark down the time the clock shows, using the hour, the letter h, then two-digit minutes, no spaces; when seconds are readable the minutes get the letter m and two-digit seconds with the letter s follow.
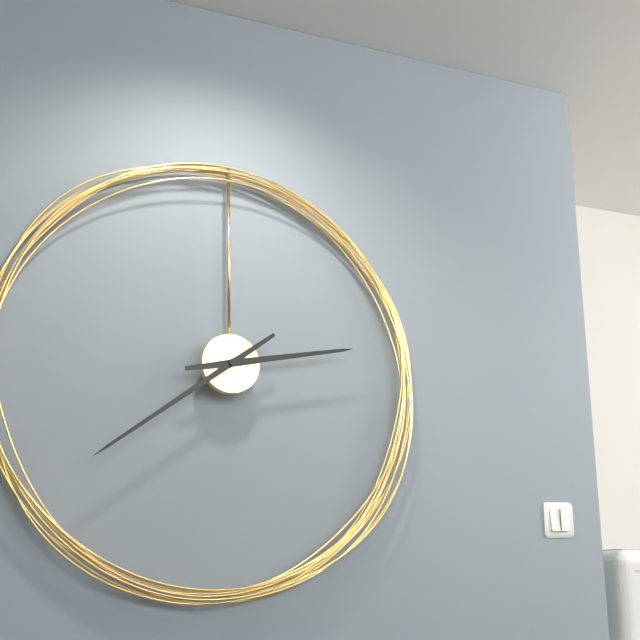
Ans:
2h39
